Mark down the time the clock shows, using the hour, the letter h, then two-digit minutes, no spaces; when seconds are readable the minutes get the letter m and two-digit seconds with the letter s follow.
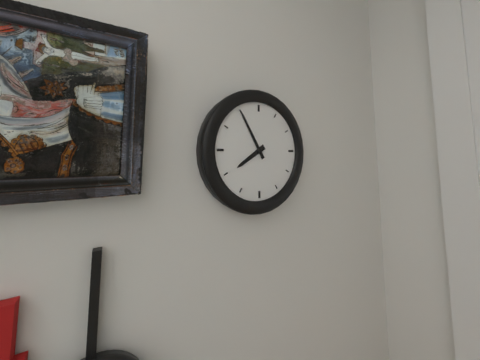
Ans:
7h55
